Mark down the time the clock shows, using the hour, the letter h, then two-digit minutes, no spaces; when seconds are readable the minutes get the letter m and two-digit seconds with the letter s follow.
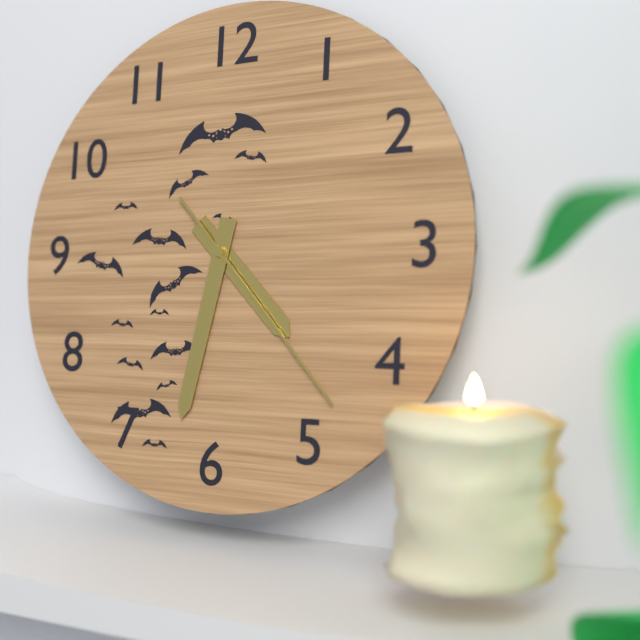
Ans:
4h32m23s
